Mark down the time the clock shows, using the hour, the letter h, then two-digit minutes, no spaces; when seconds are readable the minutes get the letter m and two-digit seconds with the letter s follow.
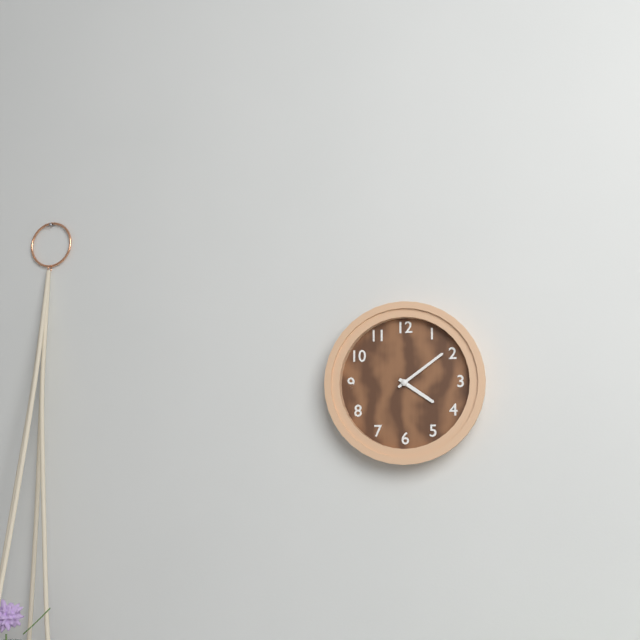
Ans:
4h09
